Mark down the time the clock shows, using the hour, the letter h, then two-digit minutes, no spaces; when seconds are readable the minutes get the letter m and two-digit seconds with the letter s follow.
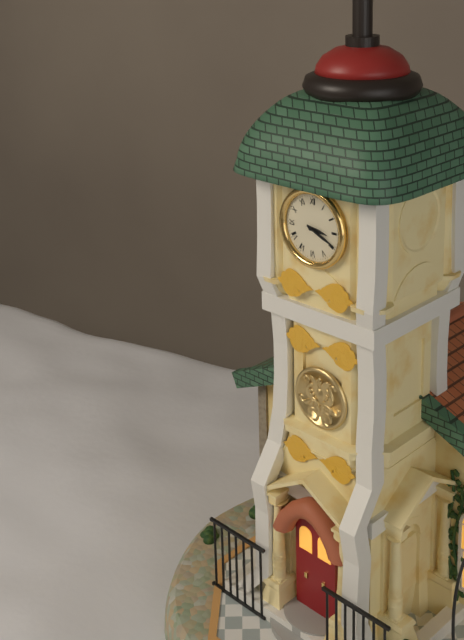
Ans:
3h19
